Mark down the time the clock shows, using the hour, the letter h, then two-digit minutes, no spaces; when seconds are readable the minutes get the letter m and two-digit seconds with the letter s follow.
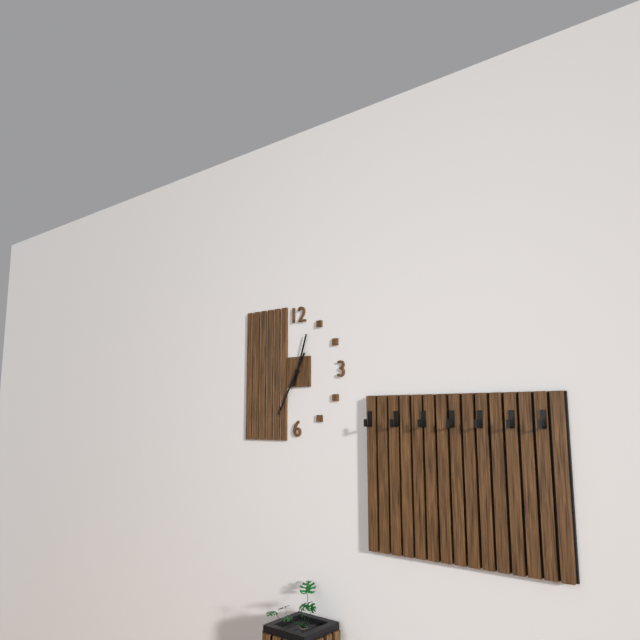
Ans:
12h35
